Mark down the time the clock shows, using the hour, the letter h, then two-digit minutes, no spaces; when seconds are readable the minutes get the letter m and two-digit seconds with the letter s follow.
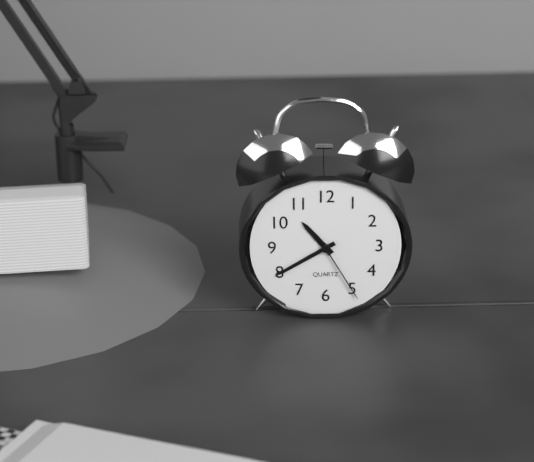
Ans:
10h40m25s
